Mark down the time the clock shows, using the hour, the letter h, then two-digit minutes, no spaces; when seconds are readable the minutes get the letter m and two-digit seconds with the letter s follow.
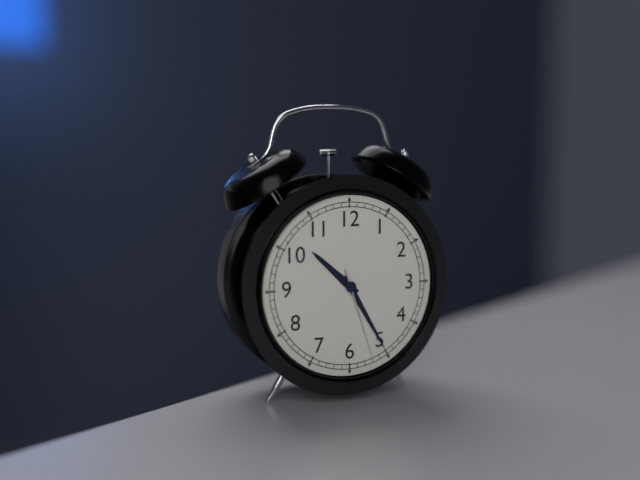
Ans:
10h25m27s
